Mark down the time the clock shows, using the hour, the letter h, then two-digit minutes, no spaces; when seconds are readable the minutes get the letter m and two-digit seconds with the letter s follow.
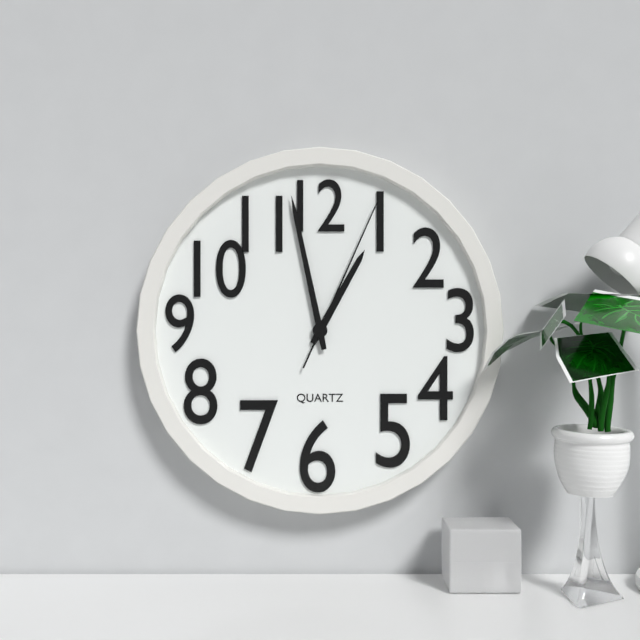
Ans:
12h58m04s
